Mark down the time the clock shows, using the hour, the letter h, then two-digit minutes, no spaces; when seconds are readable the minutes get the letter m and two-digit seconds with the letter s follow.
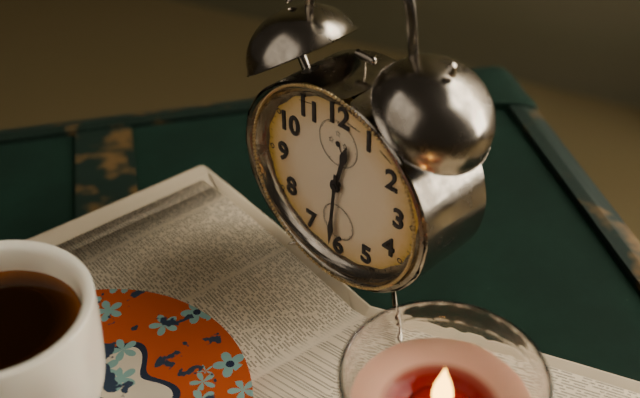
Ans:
12h31
